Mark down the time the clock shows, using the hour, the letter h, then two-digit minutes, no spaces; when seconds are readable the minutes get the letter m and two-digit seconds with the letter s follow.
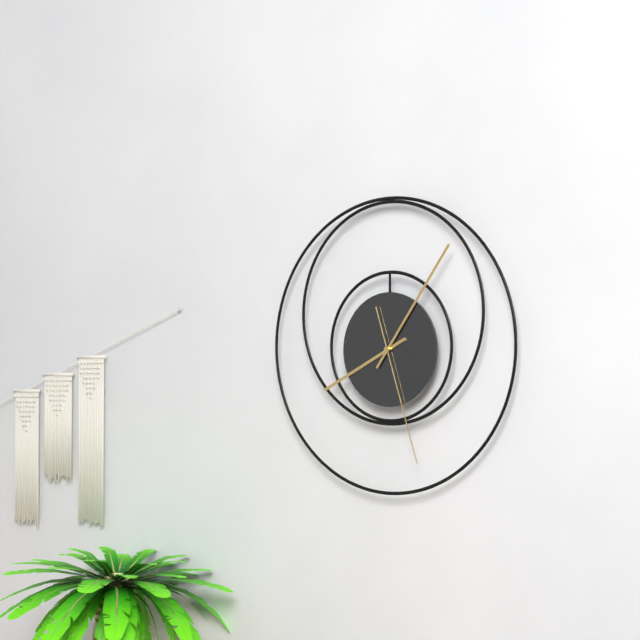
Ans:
8h06m27s
